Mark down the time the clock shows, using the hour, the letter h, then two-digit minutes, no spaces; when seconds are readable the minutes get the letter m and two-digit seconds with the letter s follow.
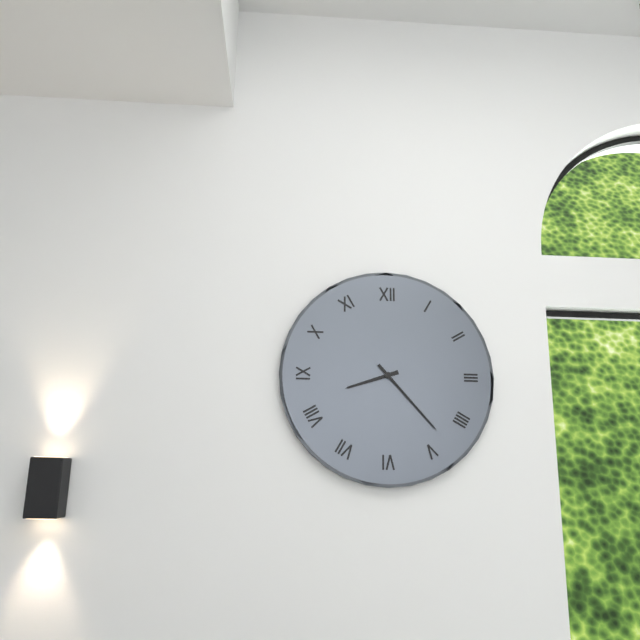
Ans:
8h23
